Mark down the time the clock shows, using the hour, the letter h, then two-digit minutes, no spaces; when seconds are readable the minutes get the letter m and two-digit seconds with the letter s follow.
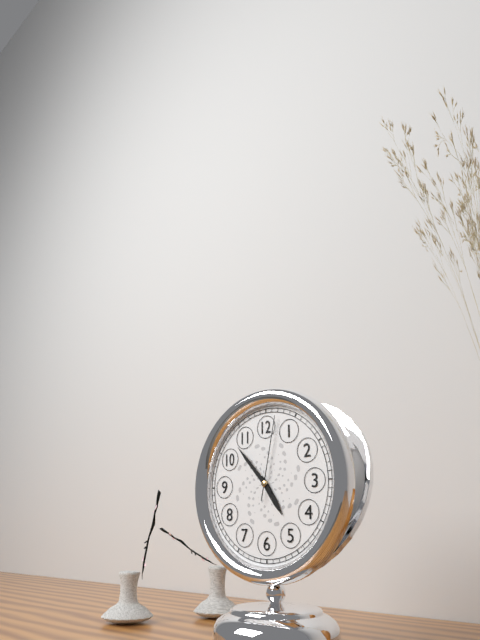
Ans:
4h53m02s
